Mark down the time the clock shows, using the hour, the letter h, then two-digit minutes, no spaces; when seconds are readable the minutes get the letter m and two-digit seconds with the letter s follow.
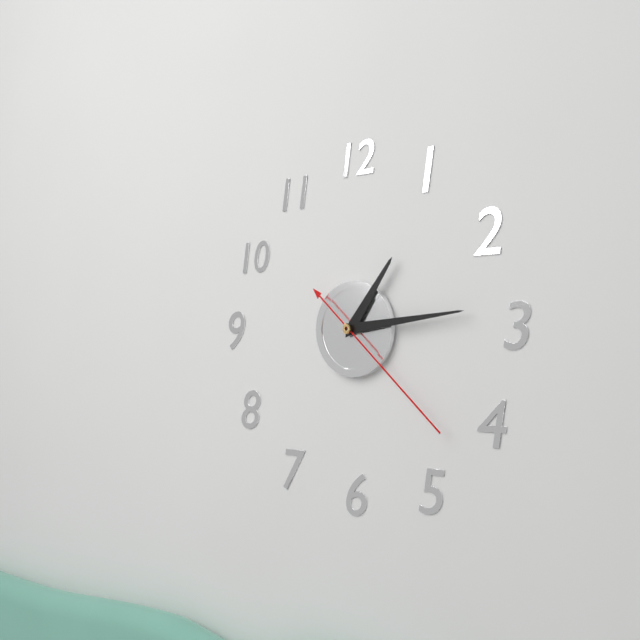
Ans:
1h14m22s
